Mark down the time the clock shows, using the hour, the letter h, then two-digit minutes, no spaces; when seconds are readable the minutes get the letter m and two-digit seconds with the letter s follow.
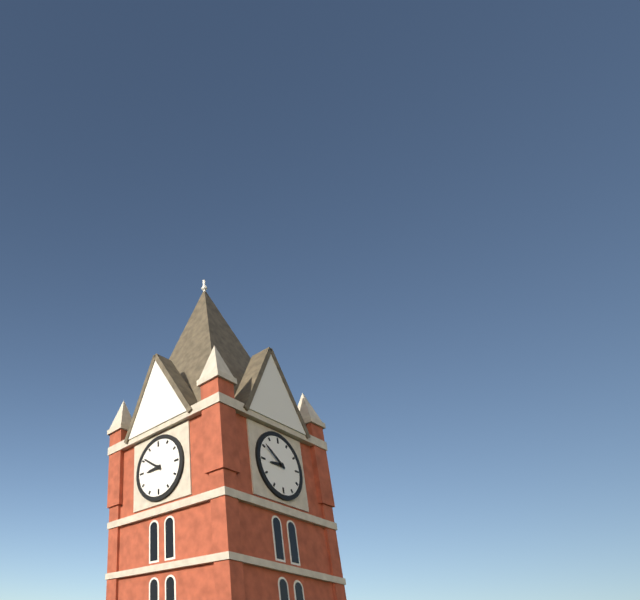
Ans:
8h51
